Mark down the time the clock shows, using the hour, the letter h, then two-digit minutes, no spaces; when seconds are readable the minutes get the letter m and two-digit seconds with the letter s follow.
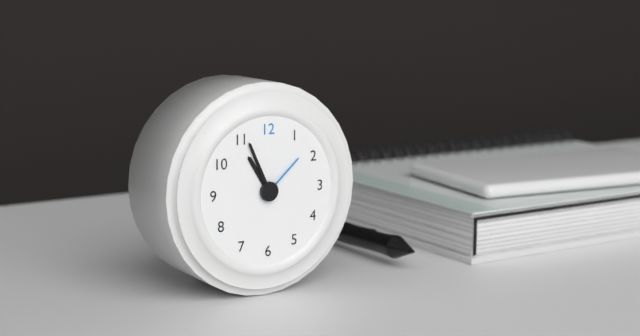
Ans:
10h56m08s
